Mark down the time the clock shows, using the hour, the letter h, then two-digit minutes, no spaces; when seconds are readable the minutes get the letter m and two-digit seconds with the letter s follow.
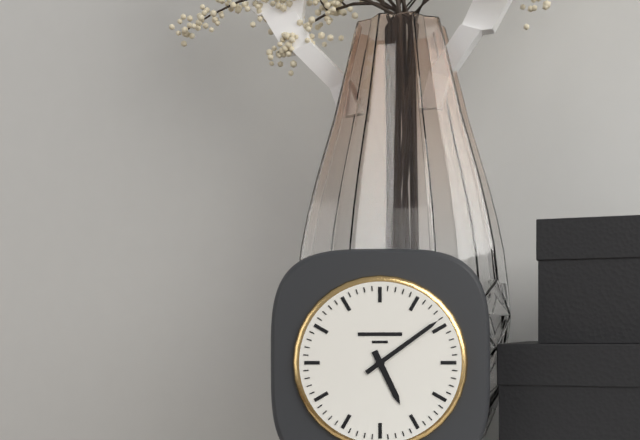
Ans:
5h09
